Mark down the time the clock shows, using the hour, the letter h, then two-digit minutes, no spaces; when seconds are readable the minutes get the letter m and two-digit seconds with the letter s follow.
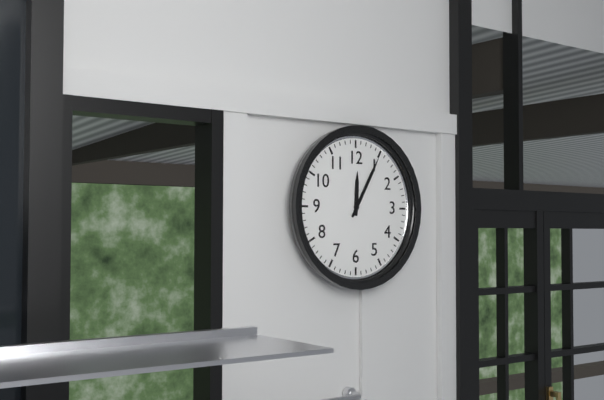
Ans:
12h05
